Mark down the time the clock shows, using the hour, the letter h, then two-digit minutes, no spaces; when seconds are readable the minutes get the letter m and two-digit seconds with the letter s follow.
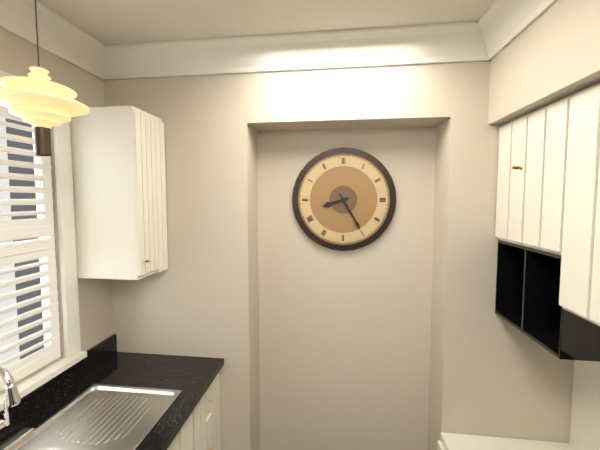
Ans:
8h25
